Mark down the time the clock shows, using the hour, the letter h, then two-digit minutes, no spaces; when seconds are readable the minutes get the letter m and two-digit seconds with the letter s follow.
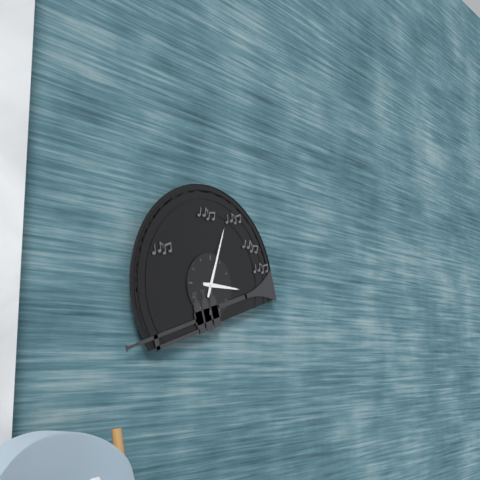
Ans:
3h03
